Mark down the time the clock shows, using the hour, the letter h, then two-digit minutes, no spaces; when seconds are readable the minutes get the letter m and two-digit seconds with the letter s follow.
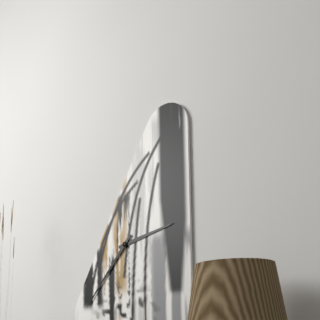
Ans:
2h37
